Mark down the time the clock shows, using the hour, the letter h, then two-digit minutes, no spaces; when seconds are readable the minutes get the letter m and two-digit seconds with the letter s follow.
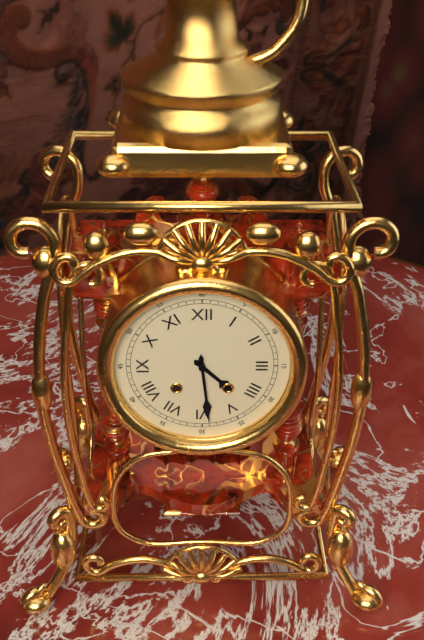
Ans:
4h29
